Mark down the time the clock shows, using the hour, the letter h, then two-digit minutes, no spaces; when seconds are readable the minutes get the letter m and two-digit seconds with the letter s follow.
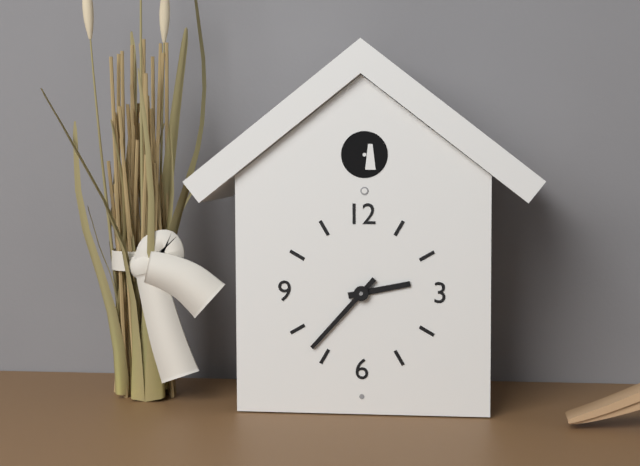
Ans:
2h37
